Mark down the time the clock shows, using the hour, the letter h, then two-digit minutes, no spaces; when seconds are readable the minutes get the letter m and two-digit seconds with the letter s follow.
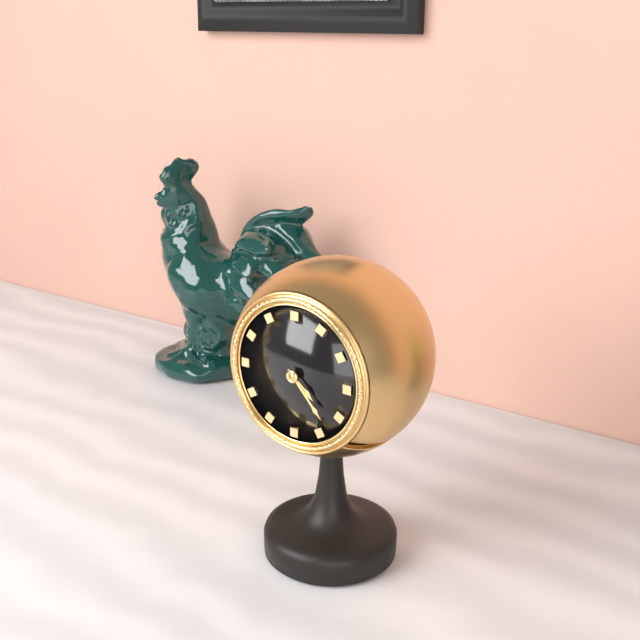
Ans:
4h23
